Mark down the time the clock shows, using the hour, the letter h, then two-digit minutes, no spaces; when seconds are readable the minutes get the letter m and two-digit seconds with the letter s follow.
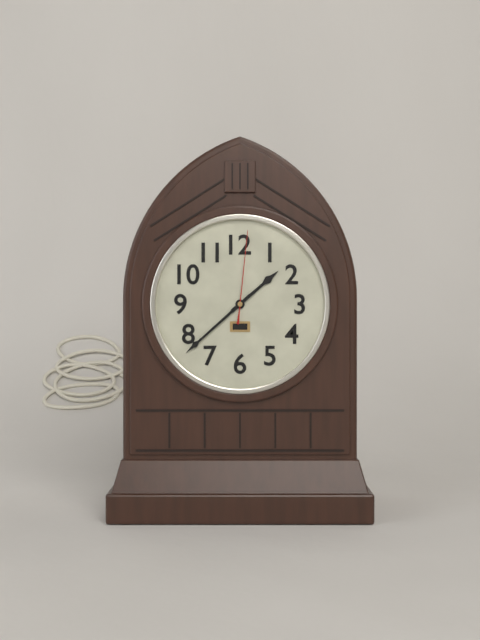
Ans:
1h38m01s
